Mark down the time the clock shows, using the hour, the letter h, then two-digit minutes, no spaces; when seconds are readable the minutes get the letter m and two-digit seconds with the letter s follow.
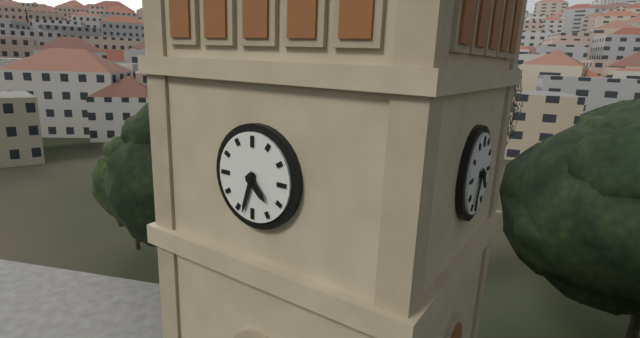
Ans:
4h33
